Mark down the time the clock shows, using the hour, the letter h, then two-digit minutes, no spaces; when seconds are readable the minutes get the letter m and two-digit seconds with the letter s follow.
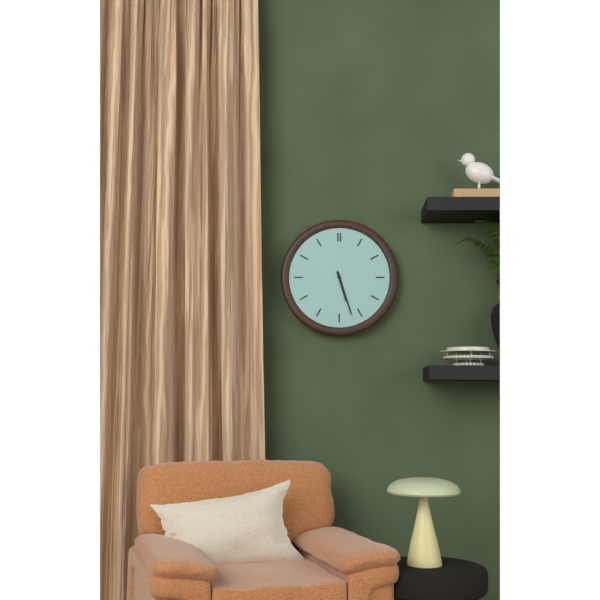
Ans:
5h27
